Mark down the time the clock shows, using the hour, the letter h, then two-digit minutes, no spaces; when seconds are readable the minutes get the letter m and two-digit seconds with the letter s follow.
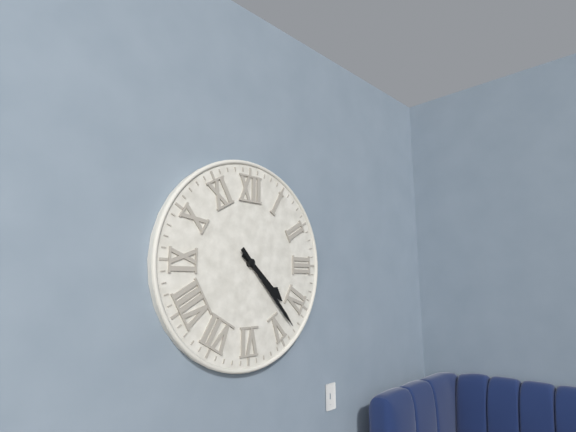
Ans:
4h23
